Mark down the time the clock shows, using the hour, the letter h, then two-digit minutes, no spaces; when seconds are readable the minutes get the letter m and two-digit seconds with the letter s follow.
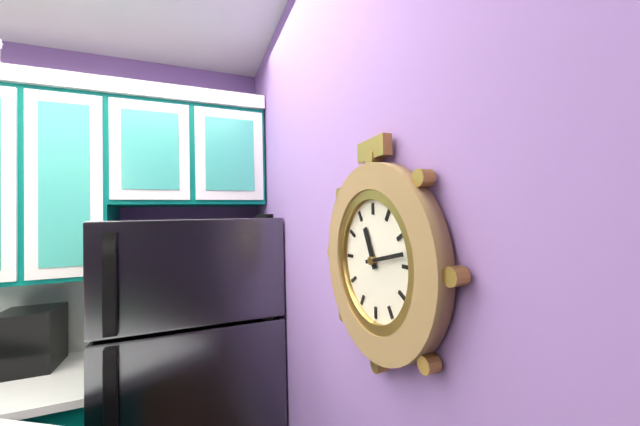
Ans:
11h13
